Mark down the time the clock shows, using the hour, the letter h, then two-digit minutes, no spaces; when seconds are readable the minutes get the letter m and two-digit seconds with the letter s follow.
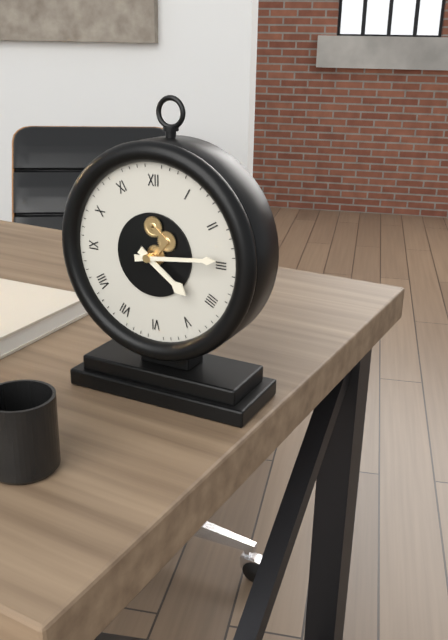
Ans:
4h14
